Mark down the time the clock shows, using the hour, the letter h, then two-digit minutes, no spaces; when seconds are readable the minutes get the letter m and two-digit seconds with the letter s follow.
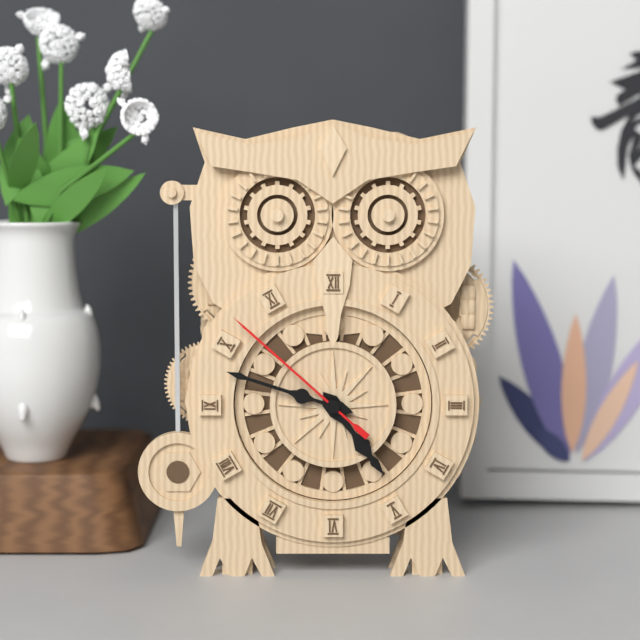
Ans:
4h48m52s
